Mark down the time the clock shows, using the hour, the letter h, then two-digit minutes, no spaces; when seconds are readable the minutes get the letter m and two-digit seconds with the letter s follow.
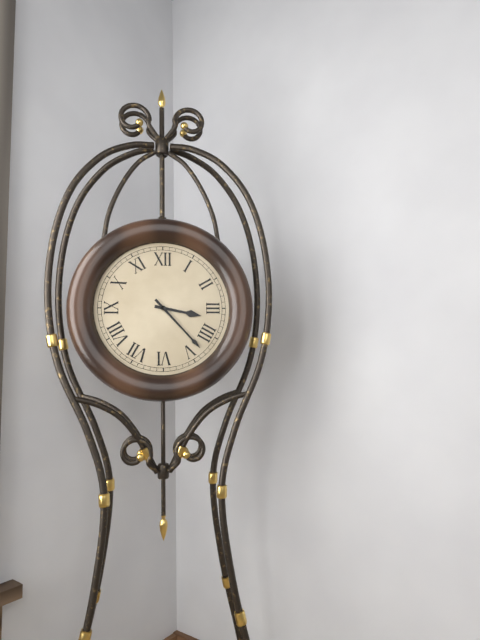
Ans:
3h23
